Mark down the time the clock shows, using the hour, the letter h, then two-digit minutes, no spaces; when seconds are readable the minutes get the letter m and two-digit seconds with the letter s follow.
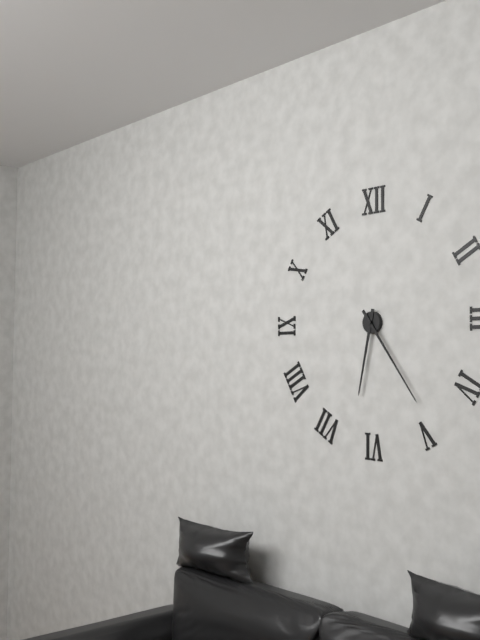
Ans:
6h24
